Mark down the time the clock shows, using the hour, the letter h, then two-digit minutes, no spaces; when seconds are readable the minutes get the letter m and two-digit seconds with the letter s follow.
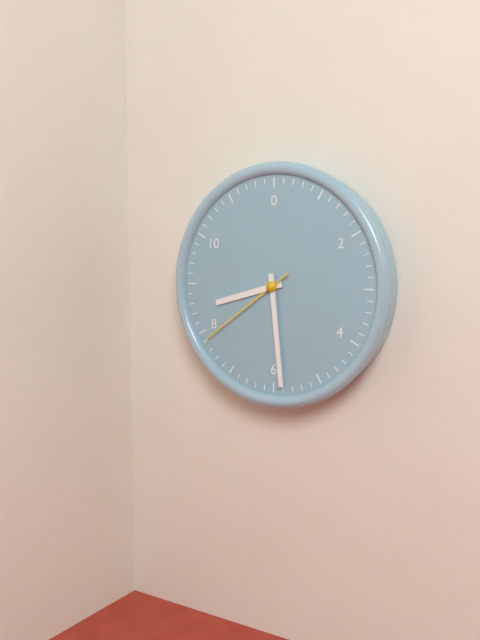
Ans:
8h29m39s
